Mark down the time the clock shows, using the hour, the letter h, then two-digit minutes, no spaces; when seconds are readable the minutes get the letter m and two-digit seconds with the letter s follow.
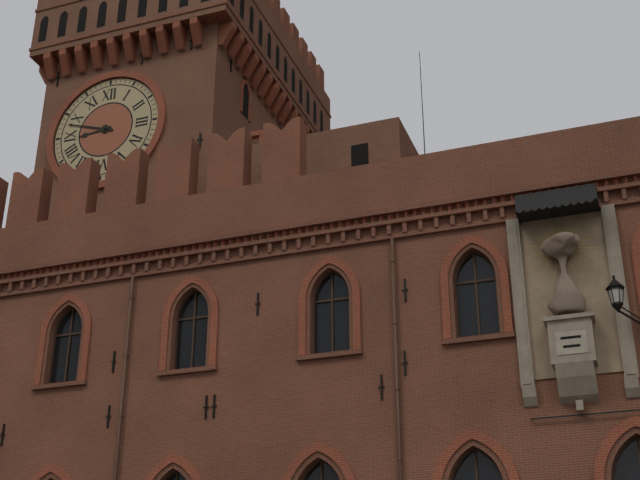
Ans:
8h48
